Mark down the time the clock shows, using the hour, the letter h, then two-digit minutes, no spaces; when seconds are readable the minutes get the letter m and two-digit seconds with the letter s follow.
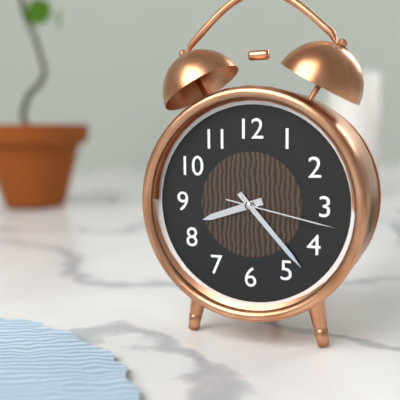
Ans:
8h23m17s
